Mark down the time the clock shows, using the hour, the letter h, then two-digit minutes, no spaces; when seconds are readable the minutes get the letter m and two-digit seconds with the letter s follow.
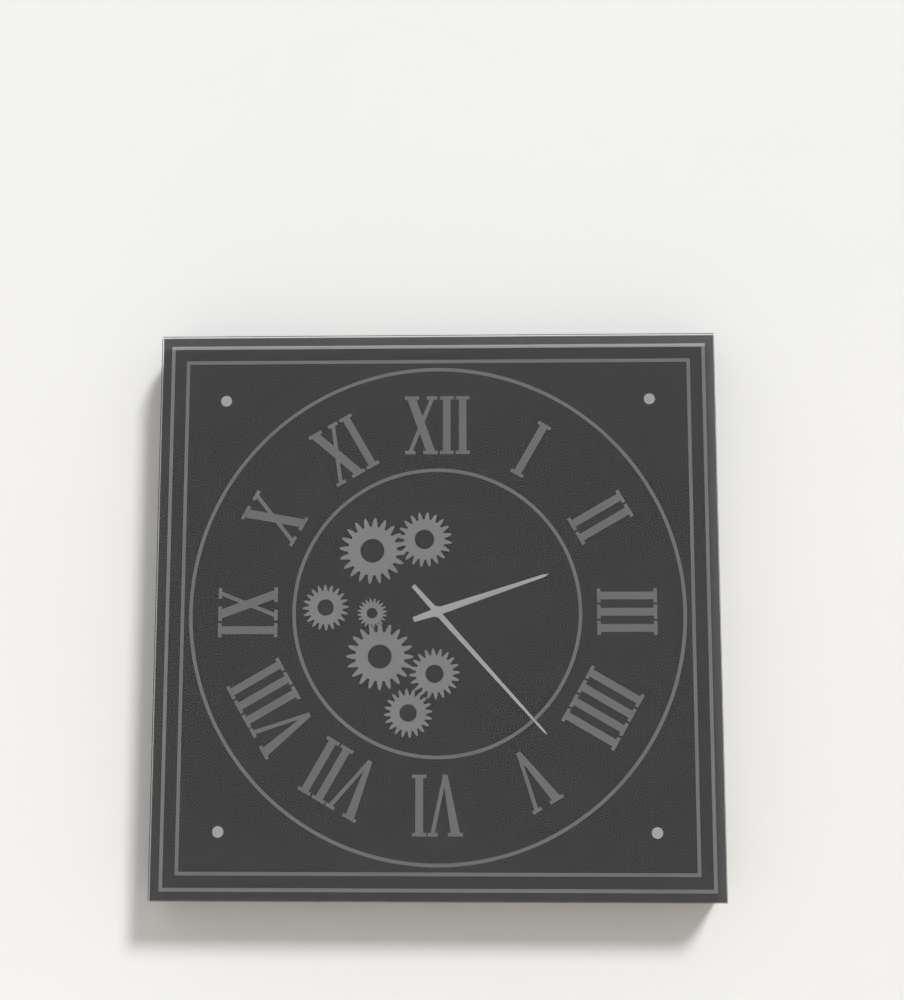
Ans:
2h23
